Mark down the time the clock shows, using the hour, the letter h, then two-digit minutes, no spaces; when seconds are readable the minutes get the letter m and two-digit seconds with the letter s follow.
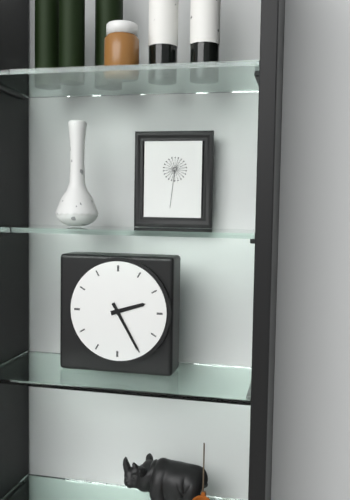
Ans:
2h25
